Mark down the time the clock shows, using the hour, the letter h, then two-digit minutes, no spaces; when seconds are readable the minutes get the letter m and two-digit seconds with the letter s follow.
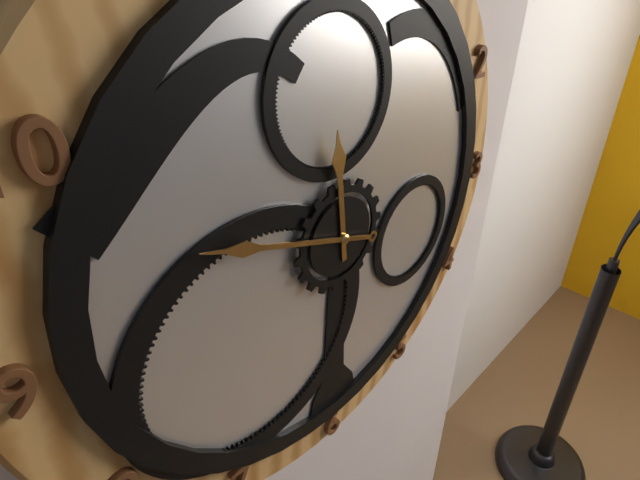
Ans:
11h48
